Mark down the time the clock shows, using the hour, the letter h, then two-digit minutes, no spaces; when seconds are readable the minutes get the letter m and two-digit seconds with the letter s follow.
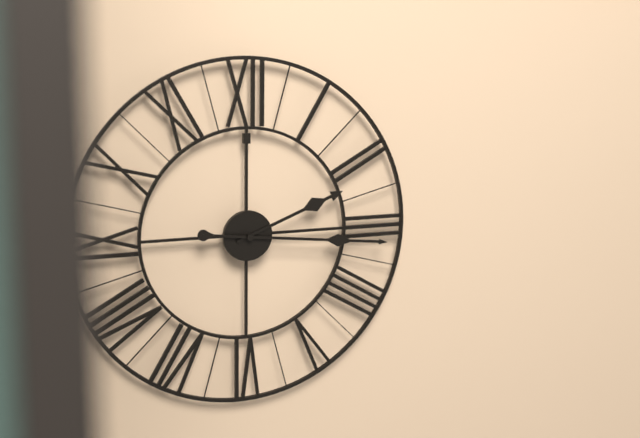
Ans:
2h16
